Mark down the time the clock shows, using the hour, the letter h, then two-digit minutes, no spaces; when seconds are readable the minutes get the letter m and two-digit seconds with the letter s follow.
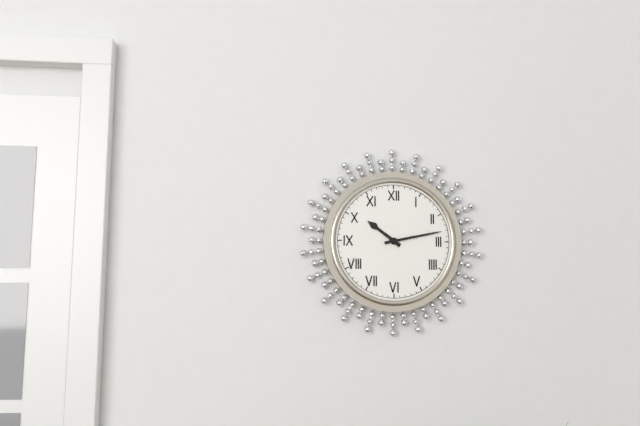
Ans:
10h13
